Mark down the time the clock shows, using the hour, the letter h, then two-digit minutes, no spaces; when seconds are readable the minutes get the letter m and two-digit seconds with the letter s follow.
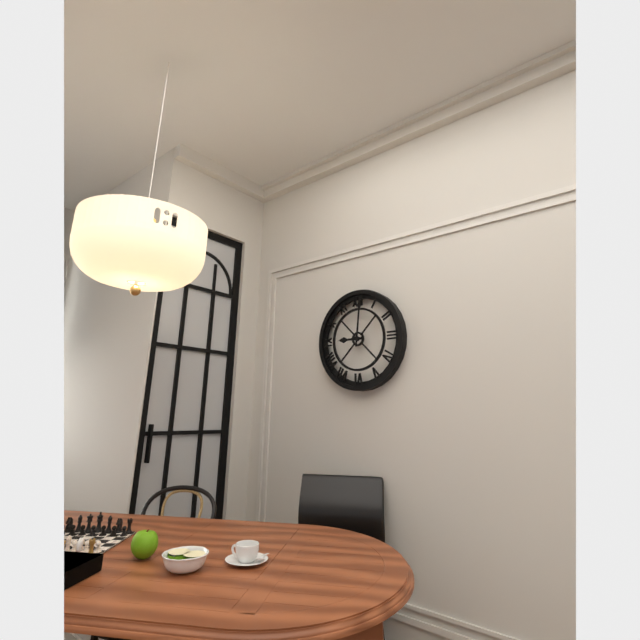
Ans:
9h01
